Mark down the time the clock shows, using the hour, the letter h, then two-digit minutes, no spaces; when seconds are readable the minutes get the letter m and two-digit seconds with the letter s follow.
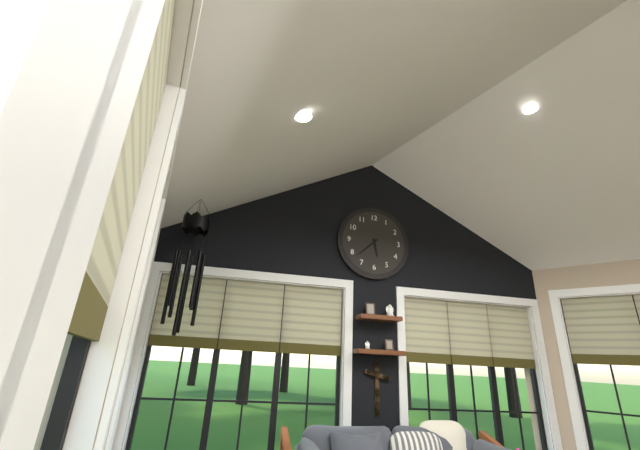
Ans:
5h38
